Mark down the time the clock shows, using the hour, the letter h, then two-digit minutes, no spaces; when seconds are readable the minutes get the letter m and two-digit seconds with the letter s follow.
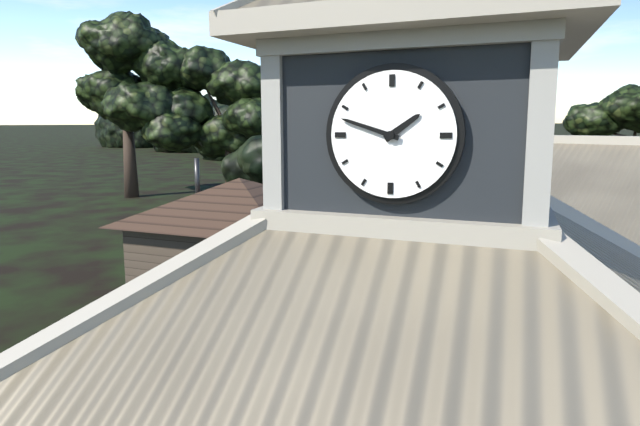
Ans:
1h48
